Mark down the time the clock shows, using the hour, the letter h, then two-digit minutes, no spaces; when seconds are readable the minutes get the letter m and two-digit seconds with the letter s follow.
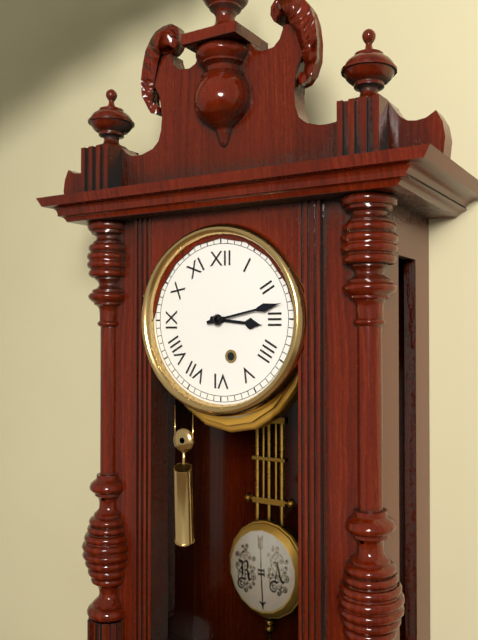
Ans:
3h13
